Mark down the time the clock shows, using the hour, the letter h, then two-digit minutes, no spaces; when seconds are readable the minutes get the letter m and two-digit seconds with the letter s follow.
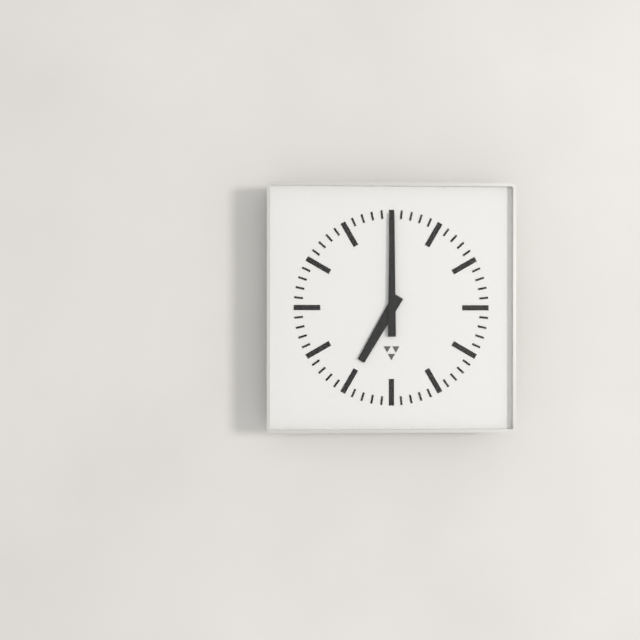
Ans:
7h00
